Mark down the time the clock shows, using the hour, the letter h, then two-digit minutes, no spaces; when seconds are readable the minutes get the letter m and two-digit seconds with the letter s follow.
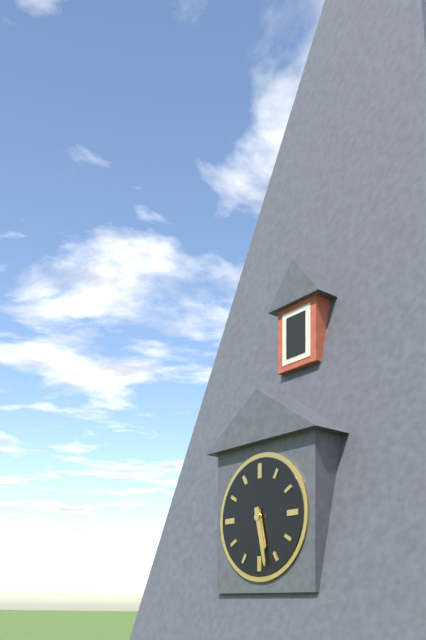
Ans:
5h28
